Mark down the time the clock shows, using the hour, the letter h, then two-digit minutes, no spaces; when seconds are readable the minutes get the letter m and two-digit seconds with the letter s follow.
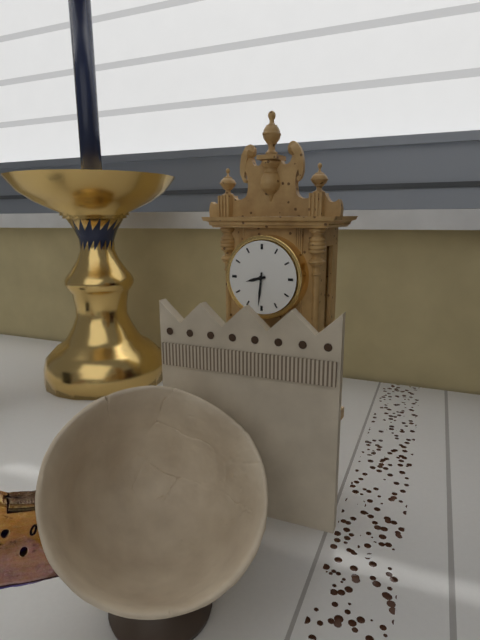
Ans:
8h31
